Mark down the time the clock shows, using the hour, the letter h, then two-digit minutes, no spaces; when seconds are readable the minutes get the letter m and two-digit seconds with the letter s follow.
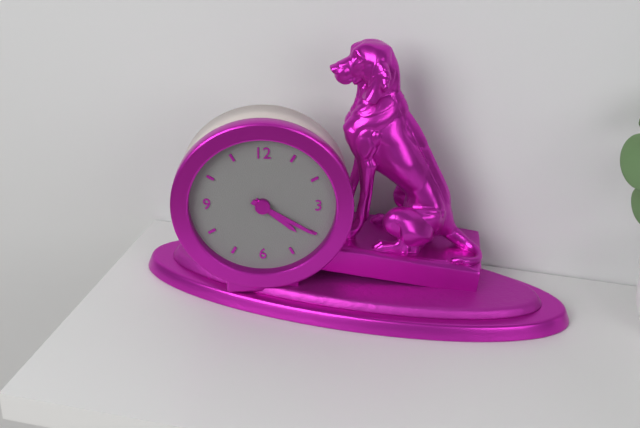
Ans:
4h20
